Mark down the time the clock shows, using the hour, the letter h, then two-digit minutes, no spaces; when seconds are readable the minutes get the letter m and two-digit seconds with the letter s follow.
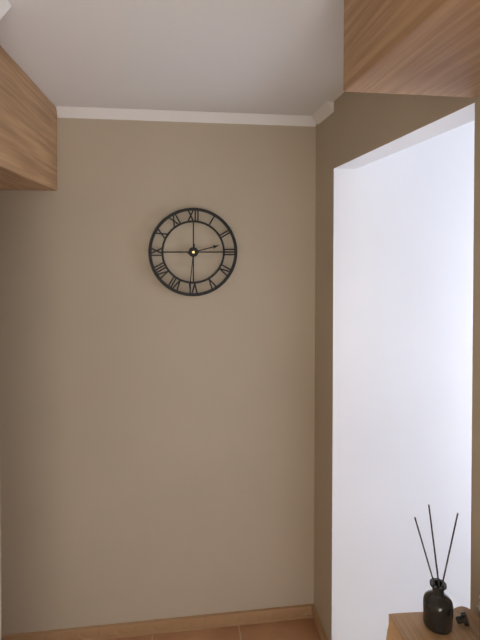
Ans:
2h31
